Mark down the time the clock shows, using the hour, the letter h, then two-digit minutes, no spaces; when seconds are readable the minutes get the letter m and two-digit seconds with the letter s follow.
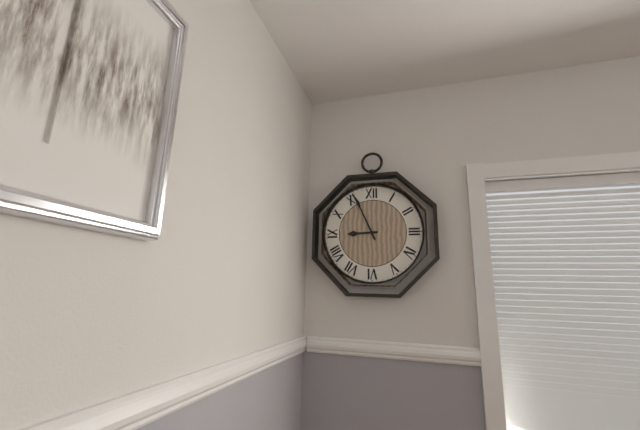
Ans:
8h56
